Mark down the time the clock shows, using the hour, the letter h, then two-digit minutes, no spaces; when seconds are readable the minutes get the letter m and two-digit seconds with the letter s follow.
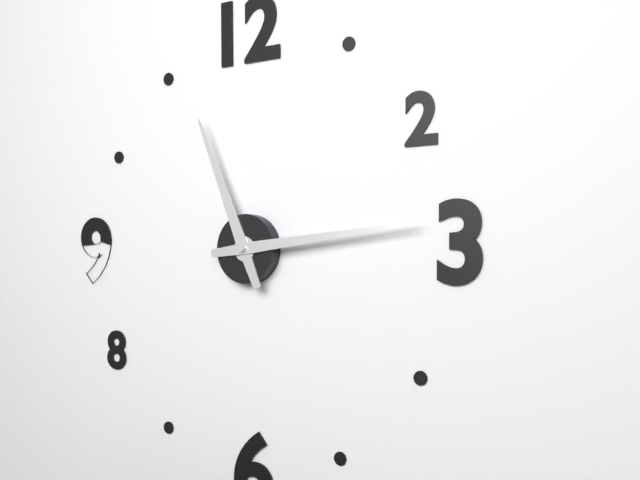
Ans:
11h14
